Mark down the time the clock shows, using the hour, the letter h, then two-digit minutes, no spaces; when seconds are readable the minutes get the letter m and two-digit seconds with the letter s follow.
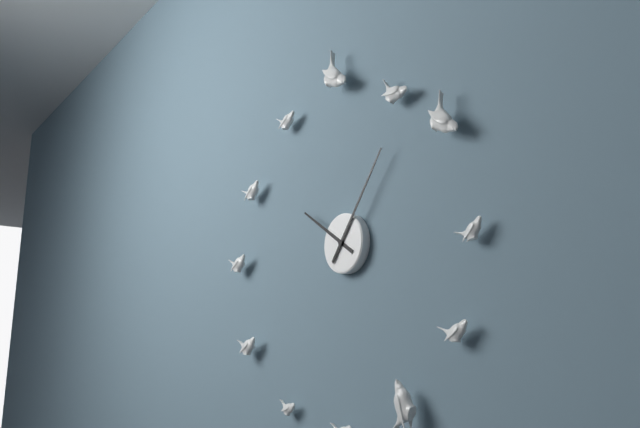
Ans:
10h06
